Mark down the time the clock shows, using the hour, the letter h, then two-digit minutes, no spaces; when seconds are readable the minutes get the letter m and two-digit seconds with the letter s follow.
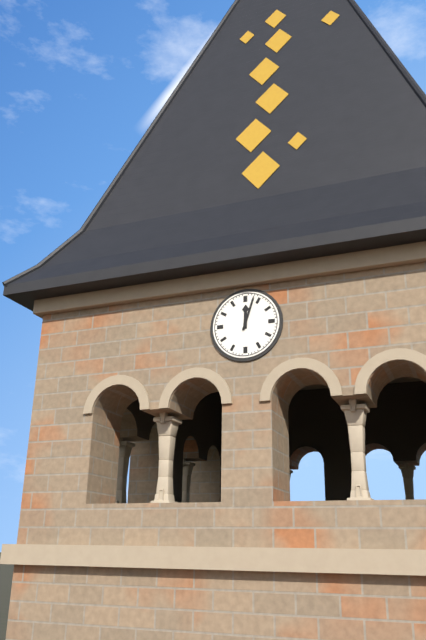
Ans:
12h03
